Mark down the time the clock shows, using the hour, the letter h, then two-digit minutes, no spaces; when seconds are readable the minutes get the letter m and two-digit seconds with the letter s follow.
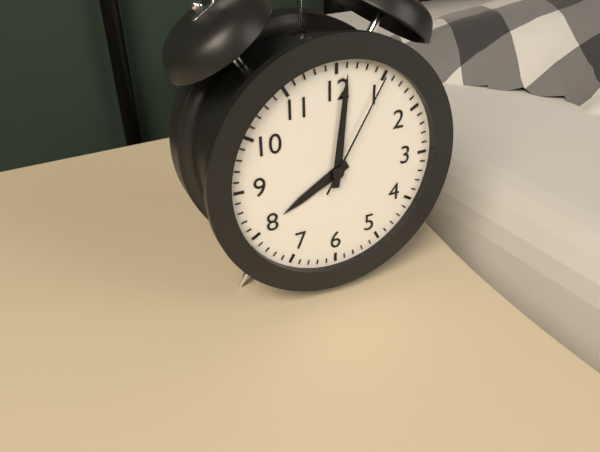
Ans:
8h01m05s
